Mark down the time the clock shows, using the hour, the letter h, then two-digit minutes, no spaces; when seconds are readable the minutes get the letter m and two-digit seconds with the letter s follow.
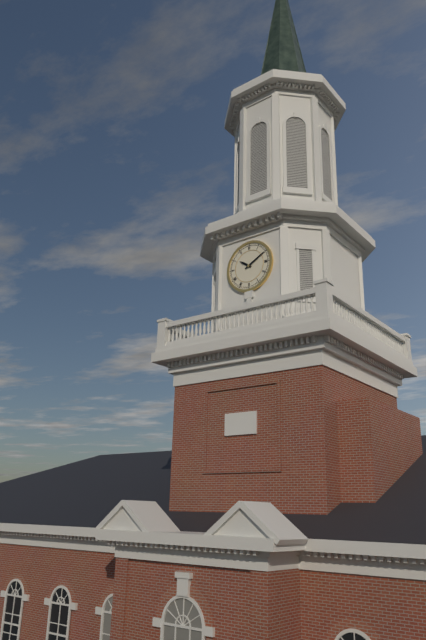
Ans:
10h10
